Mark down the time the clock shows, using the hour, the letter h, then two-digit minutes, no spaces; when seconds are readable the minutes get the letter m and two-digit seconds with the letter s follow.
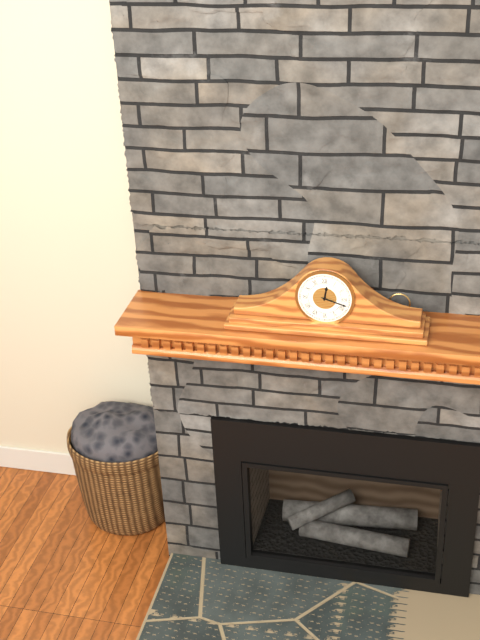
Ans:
12h18
